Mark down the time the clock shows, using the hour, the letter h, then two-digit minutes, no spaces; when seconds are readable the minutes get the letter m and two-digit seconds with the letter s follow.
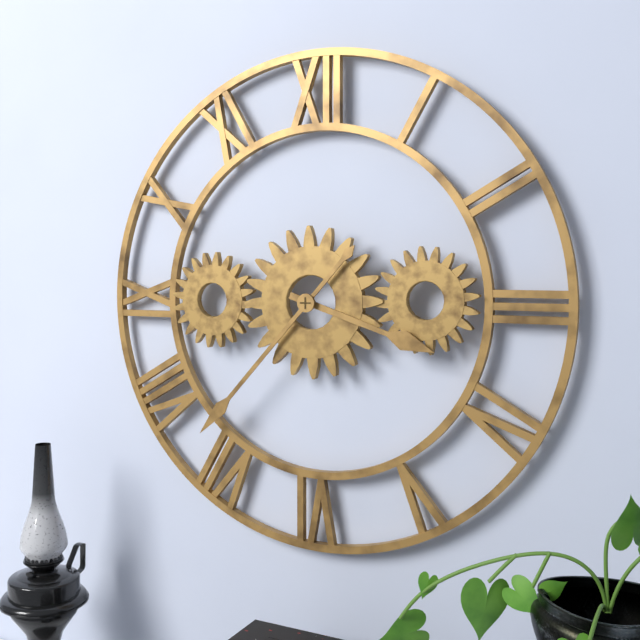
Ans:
3h37
